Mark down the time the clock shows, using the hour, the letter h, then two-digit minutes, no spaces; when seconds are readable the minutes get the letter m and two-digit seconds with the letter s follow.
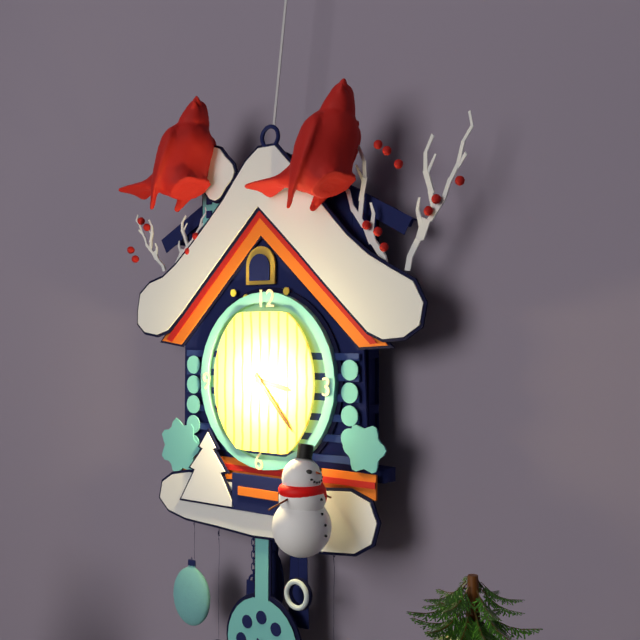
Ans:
3h23
